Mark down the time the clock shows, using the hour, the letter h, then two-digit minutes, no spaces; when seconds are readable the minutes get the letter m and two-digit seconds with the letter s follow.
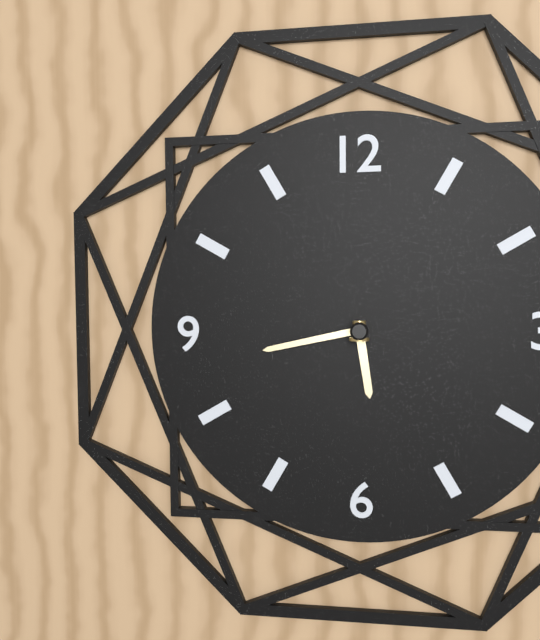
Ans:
5h43
